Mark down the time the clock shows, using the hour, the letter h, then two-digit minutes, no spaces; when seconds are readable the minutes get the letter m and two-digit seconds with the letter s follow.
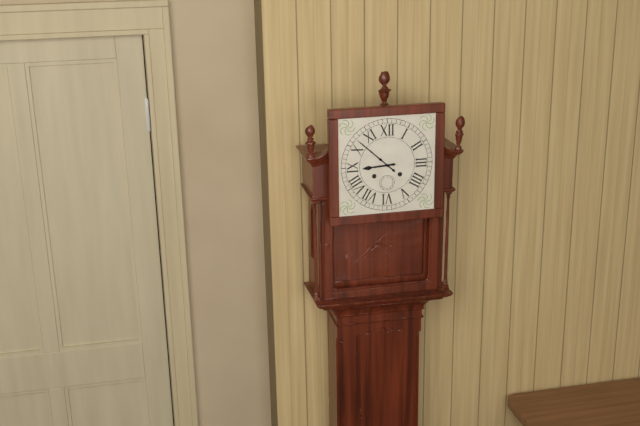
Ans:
8h52
